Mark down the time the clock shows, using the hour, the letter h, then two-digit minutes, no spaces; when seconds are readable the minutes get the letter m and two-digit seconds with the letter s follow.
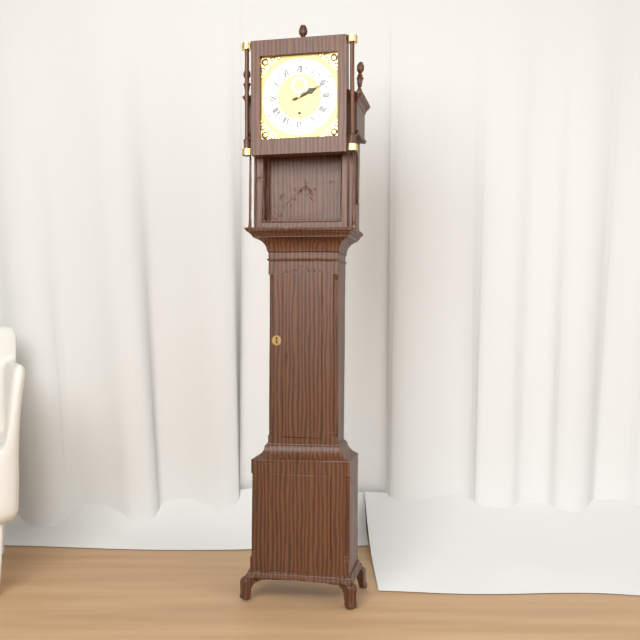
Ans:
2h11
